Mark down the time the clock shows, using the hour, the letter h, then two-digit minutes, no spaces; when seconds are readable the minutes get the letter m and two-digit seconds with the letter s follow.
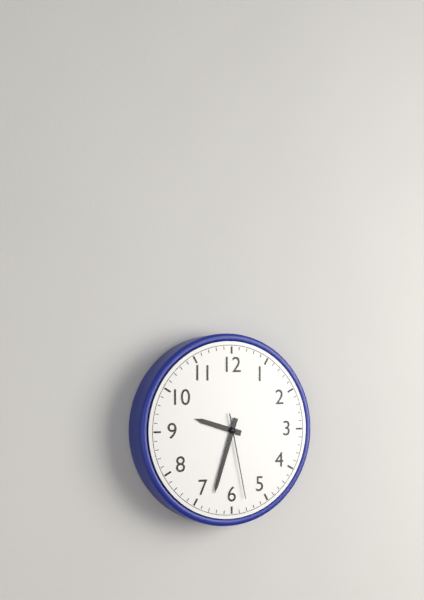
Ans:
9h33m28s
